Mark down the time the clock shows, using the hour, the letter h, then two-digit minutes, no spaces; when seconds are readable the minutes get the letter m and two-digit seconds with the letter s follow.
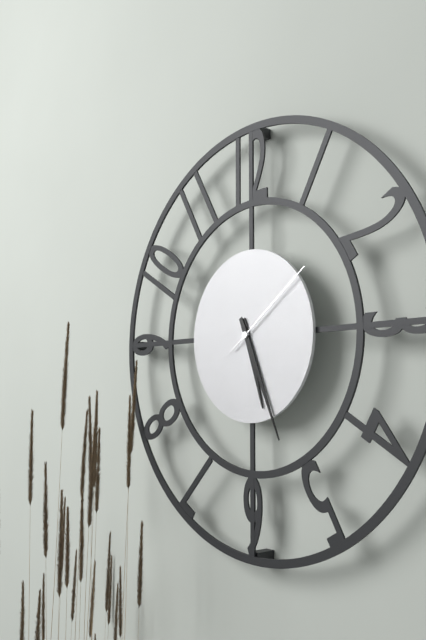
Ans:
5h26m09s
